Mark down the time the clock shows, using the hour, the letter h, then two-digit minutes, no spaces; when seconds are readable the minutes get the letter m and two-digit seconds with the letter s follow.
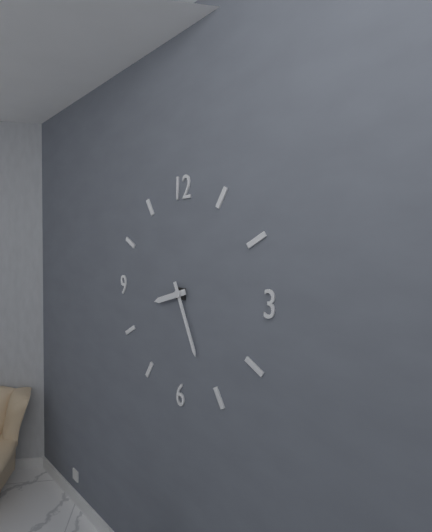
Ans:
8h26
